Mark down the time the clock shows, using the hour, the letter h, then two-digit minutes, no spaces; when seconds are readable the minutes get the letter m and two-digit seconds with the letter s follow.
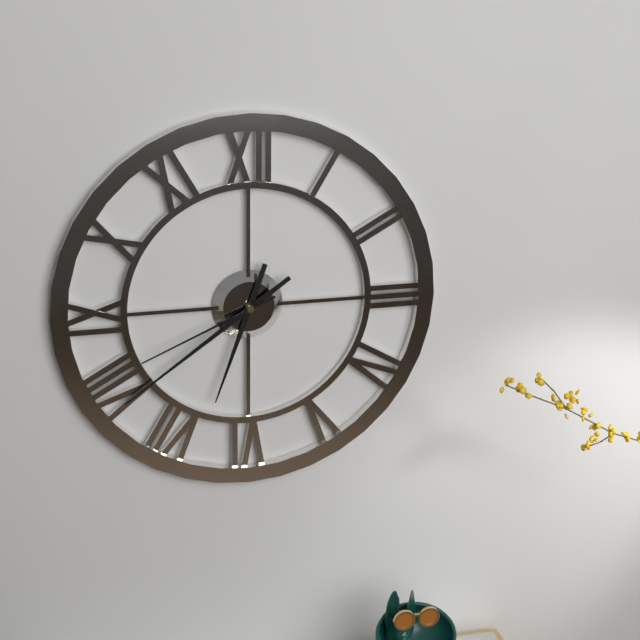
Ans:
6h39m41s
